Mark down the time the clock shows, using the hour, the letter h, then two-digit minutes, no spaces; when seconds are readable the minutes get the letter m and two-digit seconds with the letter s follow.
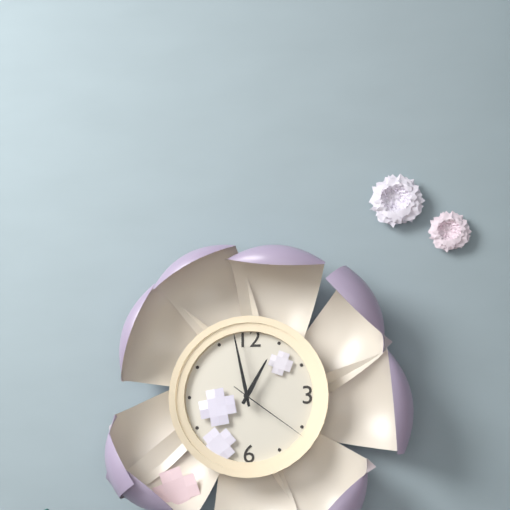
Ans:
12h58m21s
